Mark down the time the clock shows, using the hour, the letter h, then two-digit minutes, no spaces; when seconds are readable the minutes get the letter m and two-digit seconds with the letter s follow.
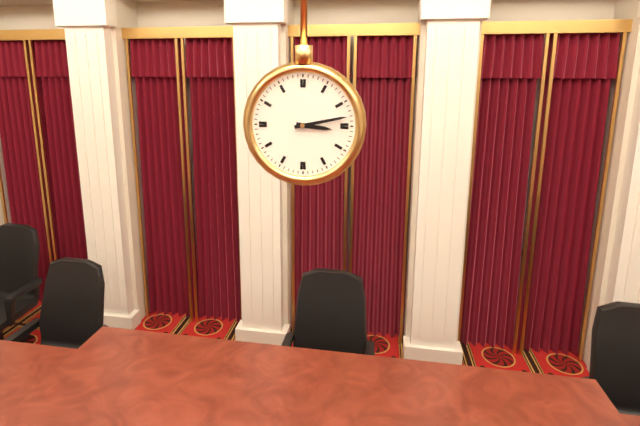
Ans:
3h13
